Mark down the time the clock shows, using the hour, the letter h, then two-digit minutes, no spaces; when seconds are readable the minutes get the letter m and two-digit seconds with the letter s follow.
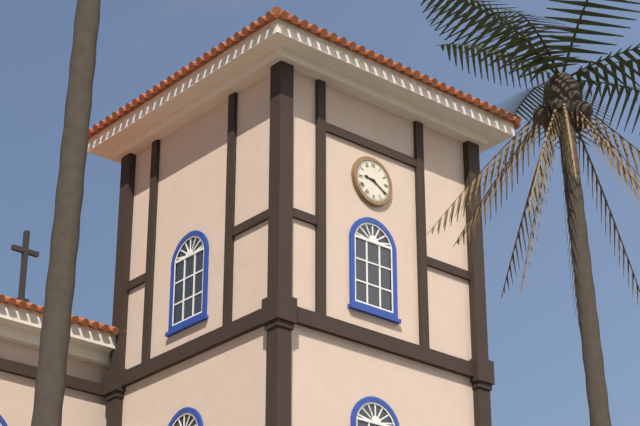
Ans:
9h20
